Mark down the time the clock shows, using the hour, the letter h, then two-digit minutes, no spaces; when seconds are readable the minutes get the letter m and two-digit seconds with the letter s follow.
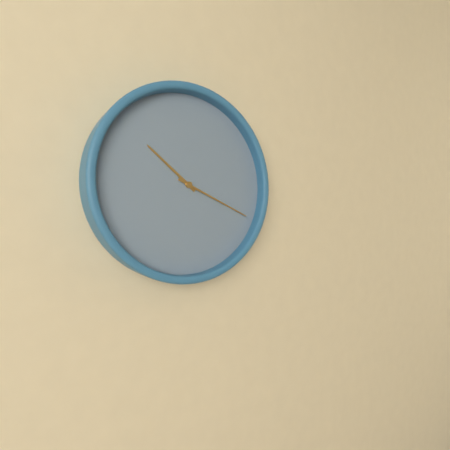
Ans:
10h19
